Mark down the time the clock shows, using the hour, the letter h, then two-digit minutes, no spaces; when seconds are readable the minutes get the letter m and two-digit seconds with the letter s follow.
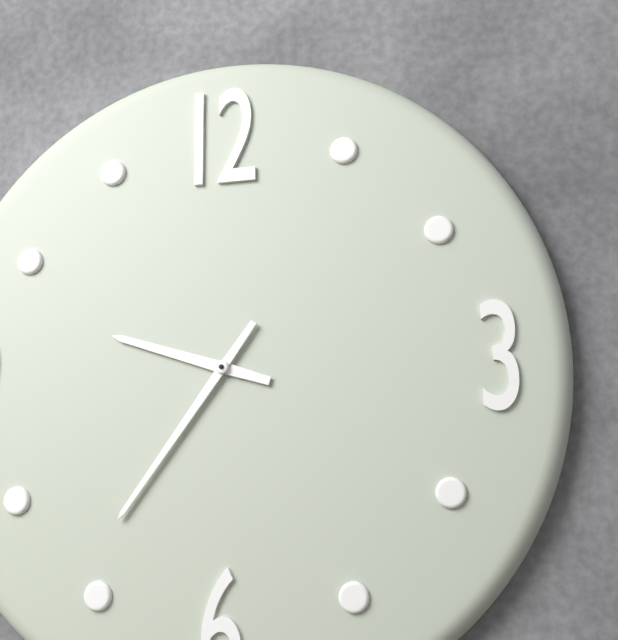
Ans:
9h36
